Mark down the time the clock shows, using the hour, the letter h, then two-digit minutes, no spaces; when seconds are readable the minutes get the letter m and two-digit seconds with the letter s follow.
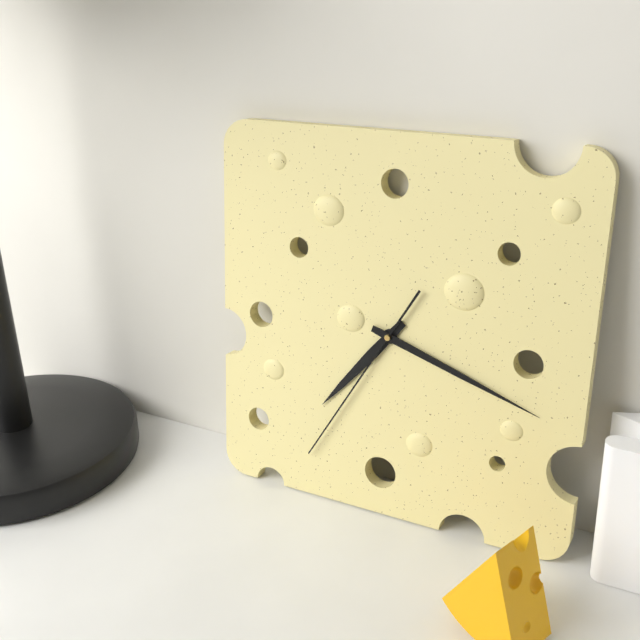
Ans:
7h18m35s
